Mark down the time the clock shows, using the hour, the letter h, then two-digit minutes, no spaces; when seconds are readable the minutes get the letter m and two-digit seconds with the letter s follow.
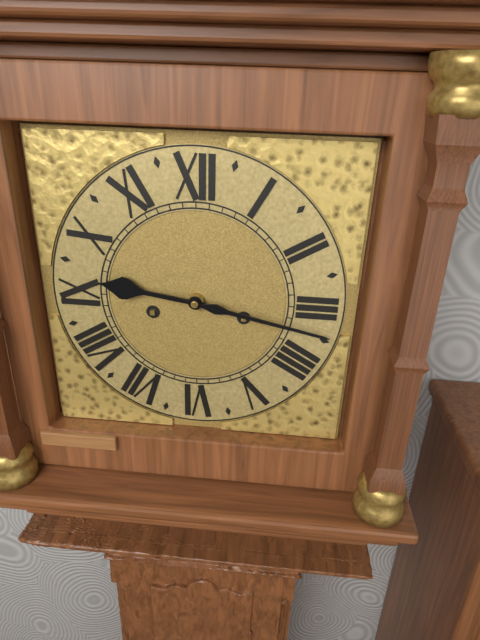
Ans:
9h17
